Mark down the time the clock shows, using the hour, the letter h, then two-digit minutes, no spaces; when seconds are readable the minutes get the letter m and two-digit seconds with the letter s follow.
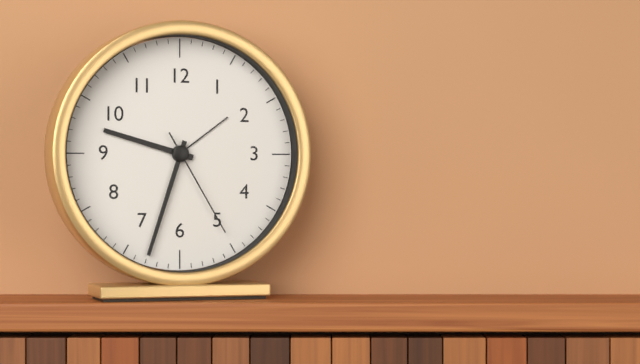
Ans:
9h33m25s
